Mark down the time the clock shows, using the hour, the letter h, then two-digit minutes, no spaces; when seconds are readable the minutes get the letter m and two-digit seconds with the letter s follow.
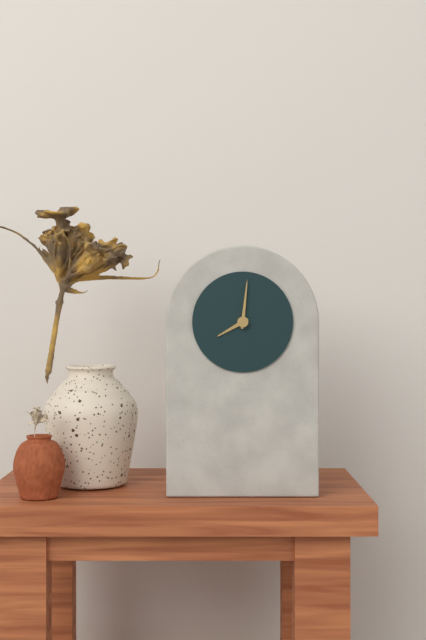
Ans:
8h01
